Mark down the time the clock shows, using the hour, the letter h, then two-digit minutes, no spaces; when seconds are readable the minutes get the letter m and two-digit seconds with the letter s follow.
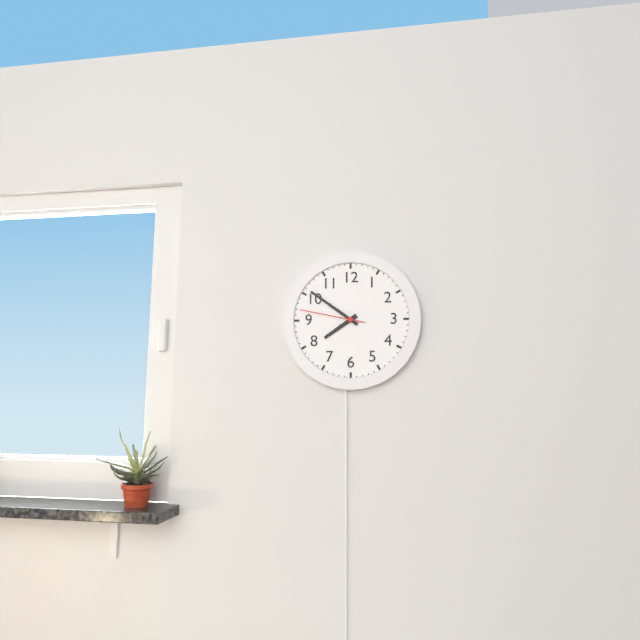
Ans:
7h51m47s
